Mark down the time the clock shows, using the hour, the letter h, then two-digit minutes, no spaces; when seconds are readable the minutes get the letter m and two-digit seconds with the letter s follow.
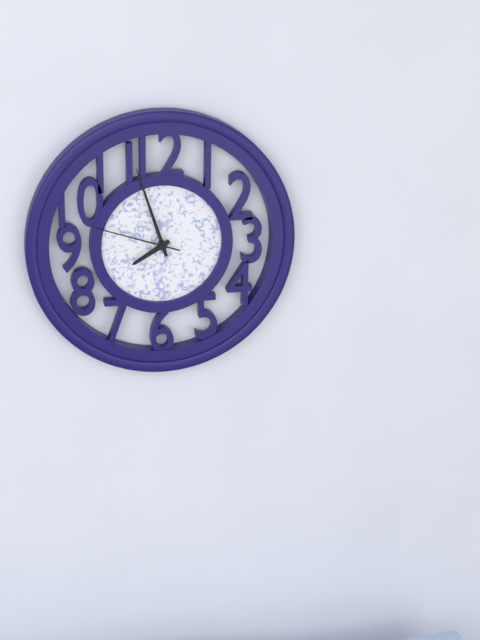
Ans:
7h57m48s
